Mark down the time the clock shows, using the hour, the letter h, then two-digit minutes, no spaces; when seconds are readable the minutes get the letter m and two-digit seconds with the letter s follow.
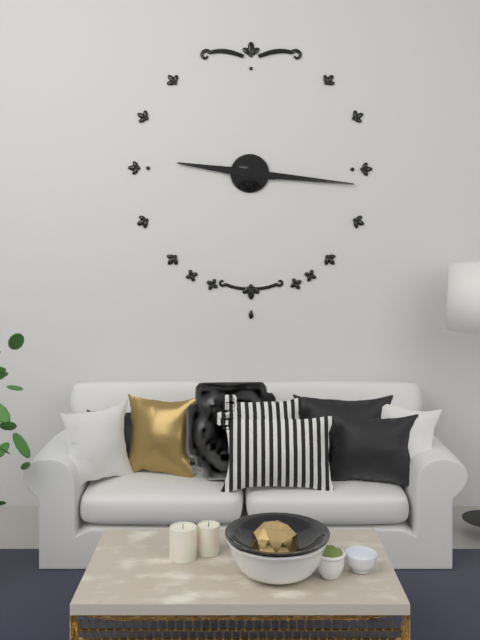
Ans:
9h16
